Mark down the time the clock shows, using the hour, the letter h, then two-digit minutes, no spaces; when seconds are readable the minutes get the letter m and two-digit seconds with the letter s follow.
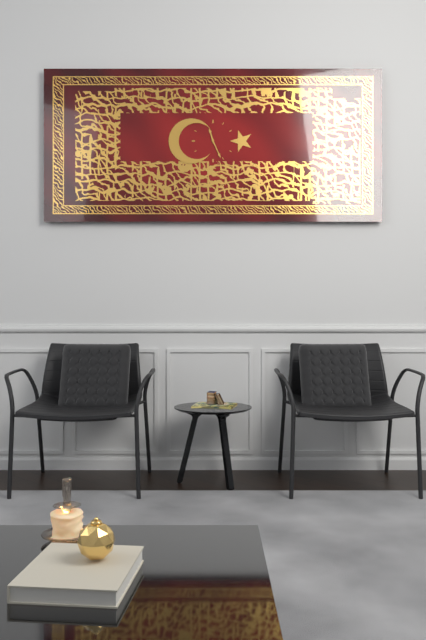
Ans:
11h26
